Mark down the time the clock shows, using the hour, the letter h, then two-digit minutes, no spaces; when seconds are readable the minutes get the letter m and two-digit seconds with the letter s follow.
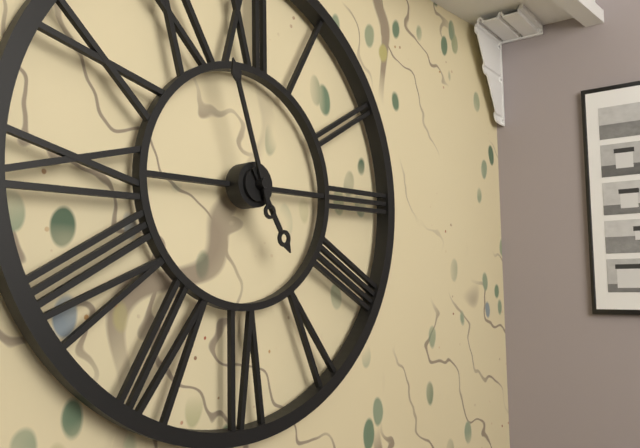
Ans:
4h57
